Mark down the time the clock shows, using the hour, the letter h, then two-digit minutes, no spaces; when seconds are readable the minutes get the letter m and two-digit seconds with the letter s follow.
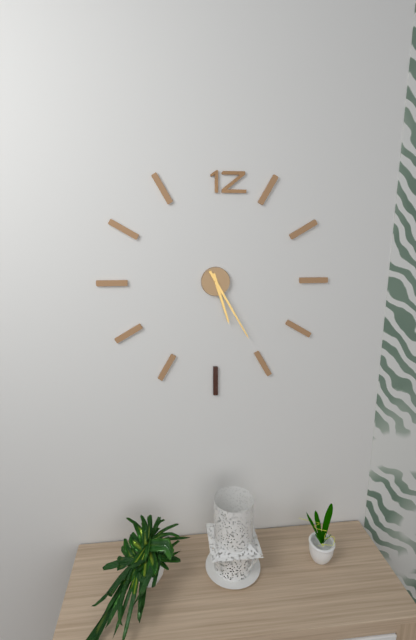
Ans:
5h25
